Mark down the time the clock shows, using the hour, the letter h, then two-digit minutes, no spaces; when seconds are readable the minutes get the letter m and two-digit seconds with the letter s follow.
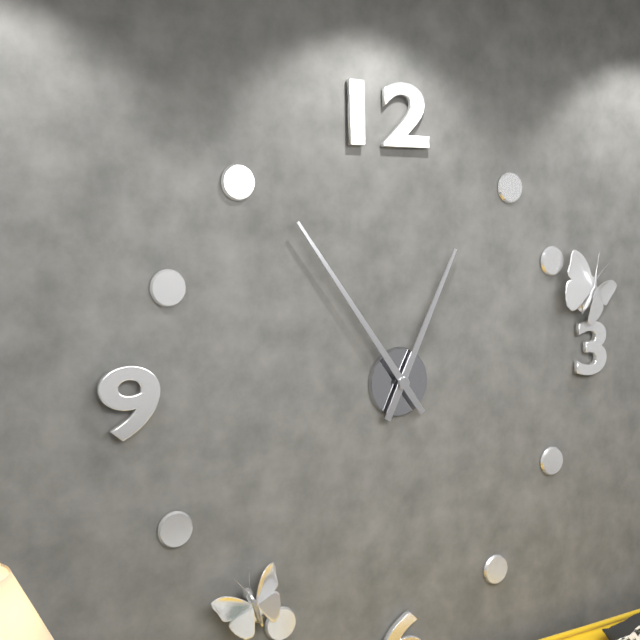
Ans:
12h54
